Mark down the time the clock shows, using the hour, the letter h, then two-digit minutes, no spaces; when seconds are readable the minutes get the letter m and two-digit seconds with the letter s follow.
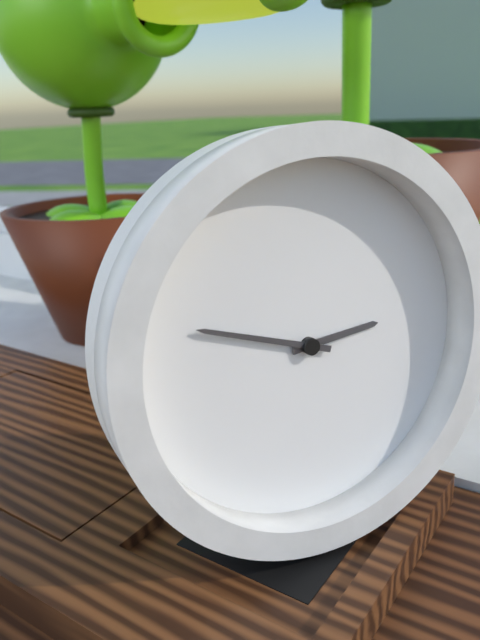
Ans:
2h48
